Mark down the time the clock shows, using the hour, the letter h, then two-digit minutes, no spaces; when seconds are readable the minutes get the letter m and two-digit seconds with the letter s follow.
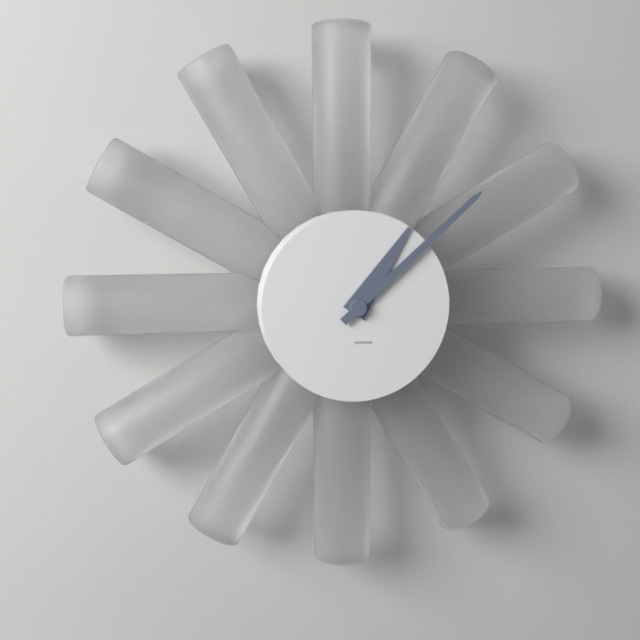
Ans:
1h08
